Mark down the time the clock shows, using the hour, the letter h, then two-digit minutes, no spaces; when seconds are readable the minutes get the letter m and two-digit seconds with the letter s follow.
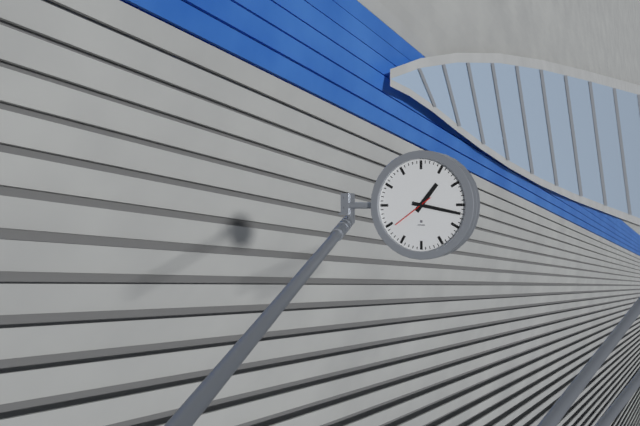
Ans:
1h17
